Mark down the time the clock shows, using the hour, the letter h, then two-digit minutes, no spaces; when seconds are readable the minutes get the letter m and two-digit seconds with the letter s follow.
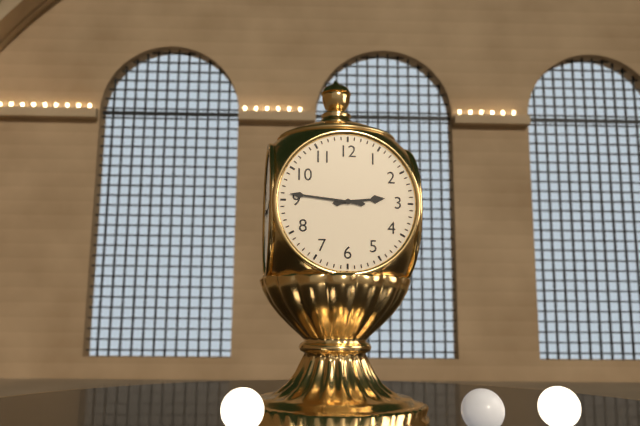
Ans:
2h46
